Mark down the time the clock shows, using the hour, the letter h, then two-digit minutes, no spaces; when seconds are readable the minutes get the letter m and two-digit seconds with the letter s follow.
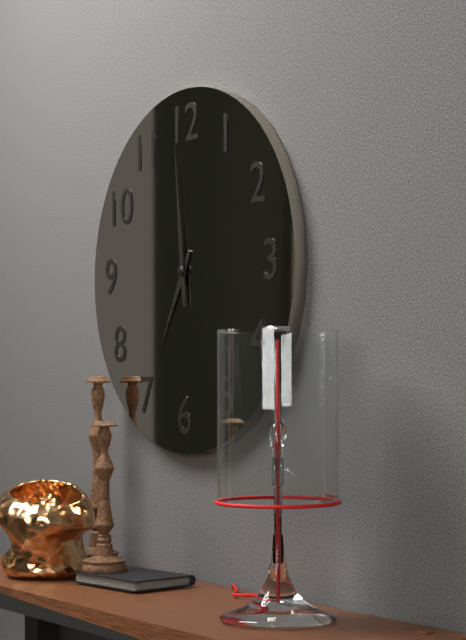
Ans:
6h59
